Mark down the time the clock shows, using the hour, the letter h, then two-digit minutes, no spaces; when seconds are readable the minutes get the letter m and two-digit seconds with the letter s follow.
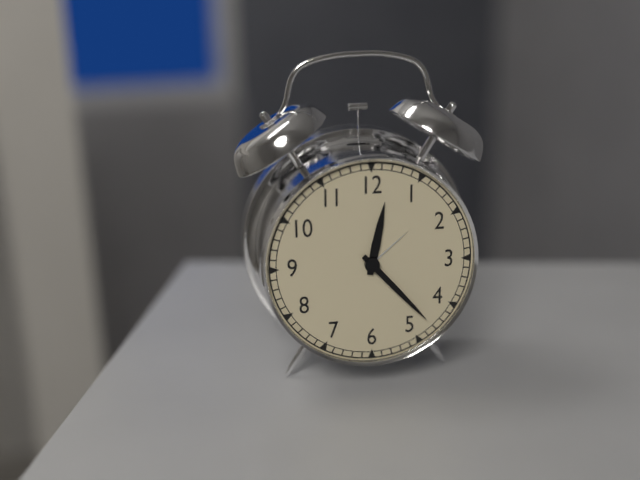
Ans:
12h23
